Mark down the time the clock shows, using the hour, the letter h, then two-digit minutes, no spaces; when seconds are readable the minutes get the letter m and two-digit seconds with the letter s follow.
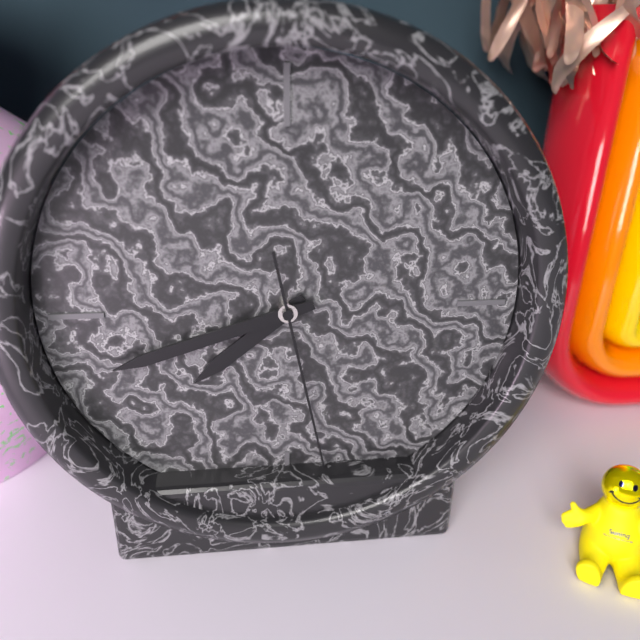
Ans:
7h42m28s
